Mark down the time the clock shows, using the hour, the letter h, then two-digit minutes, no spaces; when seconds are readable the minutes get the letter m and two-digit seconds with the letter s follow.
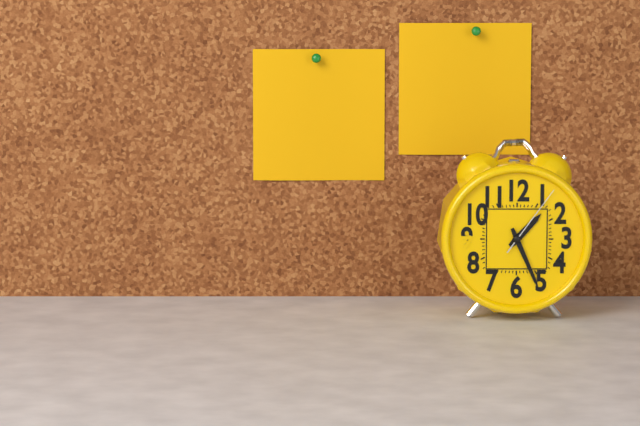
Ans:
1h26m06s
